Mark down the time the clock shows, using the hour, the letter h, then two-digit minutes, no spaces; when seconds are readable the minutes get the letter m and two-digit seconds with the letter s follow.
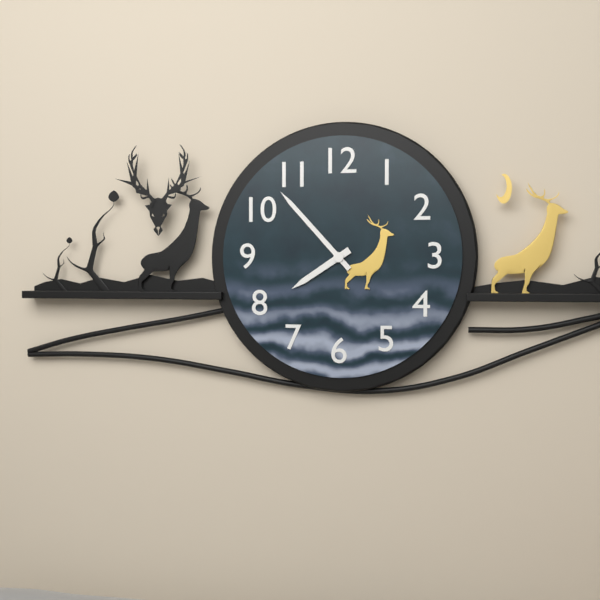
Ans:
7h53
